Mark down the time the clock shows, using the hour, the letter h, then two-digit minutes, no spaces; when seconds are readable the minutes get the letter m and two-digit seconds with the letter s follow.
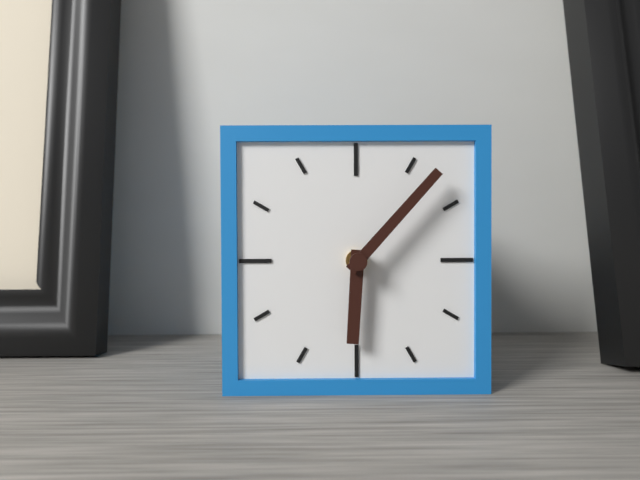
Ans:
6h07
